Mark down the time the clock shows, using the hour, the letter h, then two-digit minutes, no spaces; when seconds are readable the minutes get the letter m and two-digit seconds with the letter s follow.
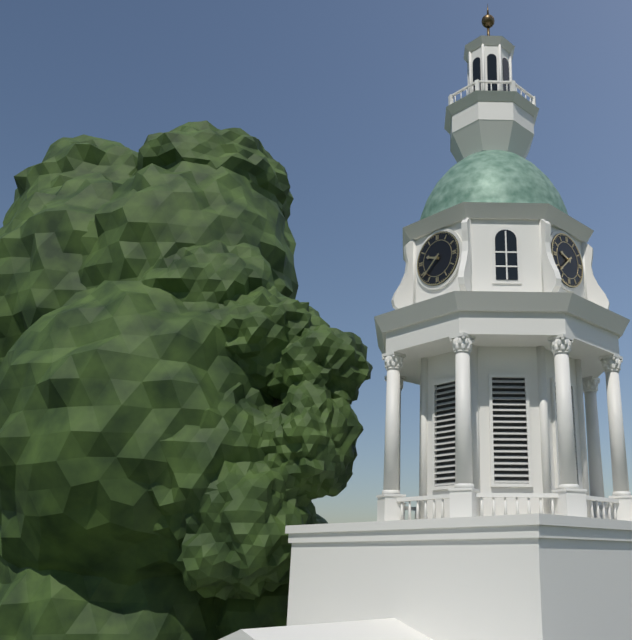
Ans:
9h38
